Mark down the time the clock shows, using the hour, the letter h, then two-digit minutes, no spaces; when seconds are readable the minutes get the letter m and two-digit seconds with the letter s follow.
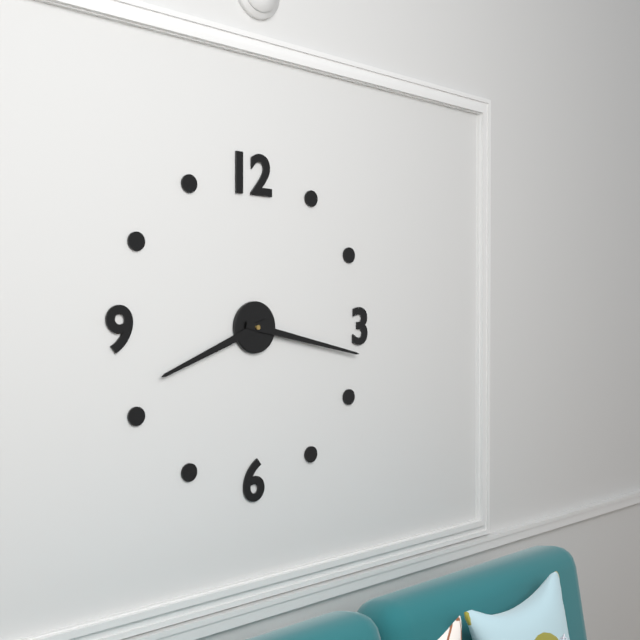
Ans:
8h17
